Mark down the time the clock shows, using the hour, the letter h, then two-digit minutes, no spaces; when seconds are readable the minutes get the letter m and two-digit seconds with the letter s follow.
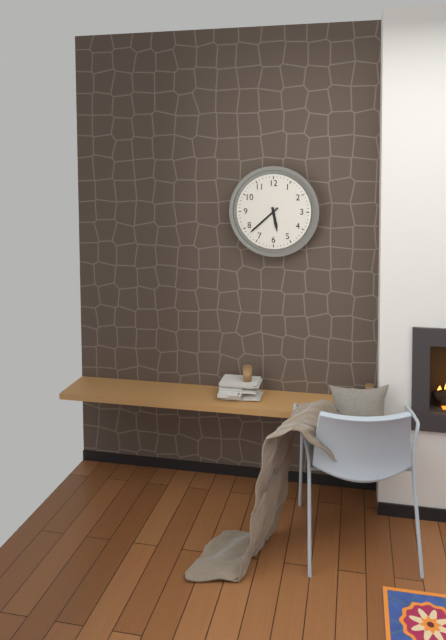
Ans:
5h38
